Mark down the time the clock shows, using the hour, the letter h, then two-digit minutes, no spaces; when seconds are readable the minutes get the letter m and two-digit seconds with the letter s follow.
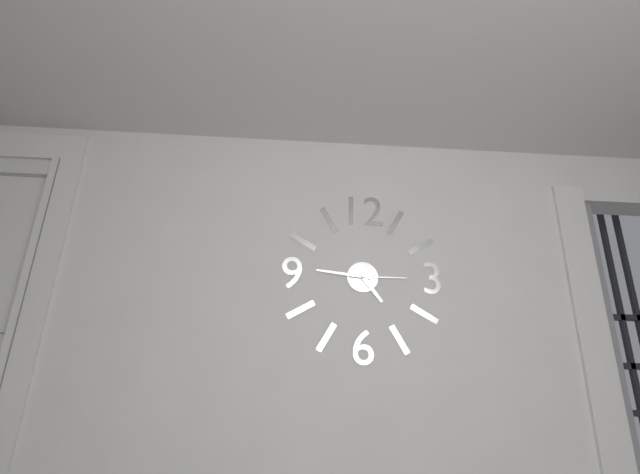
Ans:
4h46m15s
